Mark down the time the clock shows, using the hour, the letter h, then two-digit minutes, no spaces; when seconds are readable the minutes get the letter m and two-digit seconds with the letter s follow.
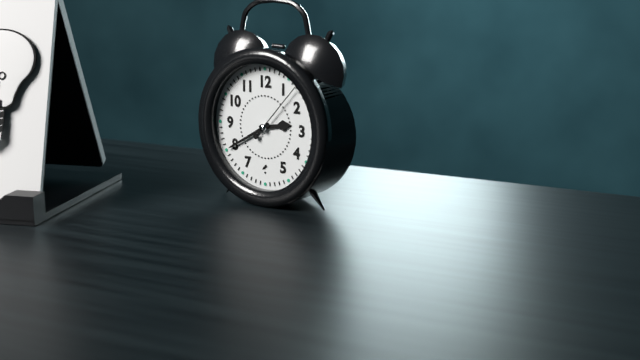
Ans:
2h40m07s
